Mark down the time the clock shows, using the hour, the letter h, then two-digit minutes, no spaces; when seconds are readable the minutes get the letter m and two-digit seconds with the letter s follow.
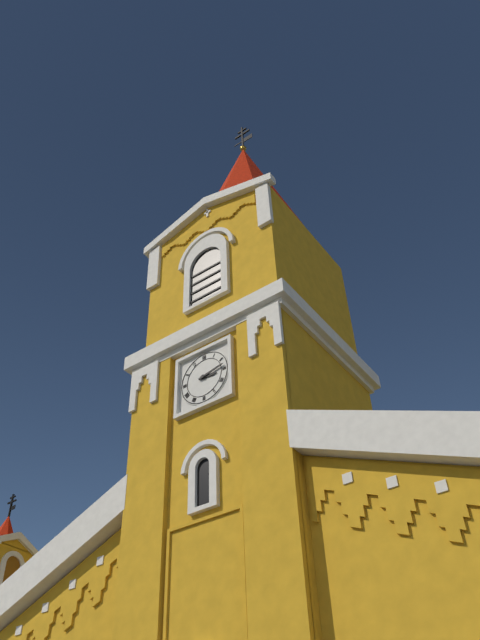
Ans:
3h13
